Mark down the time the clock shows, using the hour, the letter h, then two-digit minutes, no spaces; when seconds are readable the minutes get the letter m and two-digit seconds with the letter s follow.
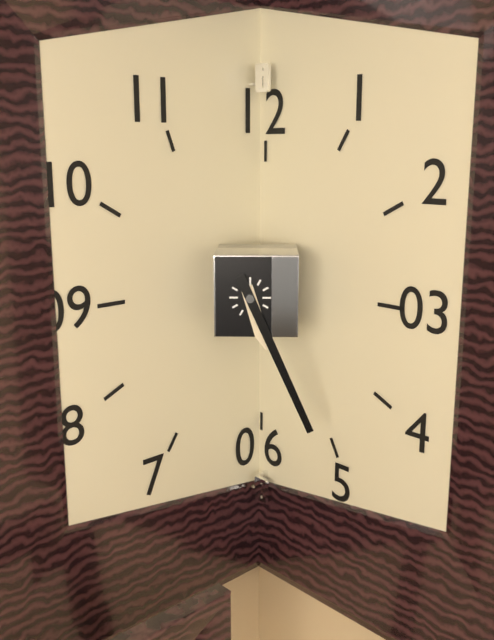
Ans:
5h26
